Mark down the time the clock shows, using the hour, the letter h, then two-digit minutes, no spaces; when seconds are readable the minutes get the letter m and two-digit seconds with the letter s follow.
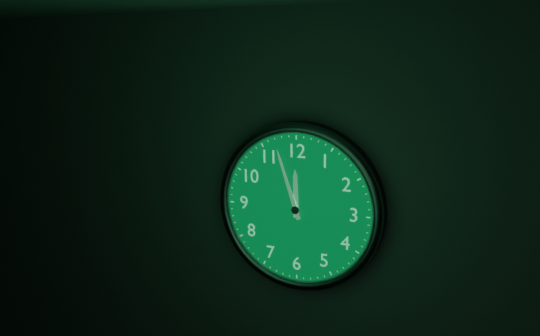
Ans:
11h57
